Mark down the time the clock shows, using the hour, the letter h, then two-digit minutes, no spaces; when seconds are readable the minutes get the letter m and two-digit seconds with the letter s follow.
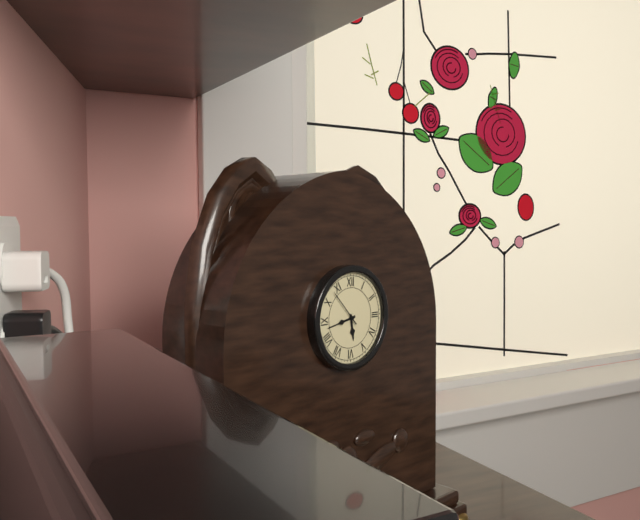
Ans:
5h43
